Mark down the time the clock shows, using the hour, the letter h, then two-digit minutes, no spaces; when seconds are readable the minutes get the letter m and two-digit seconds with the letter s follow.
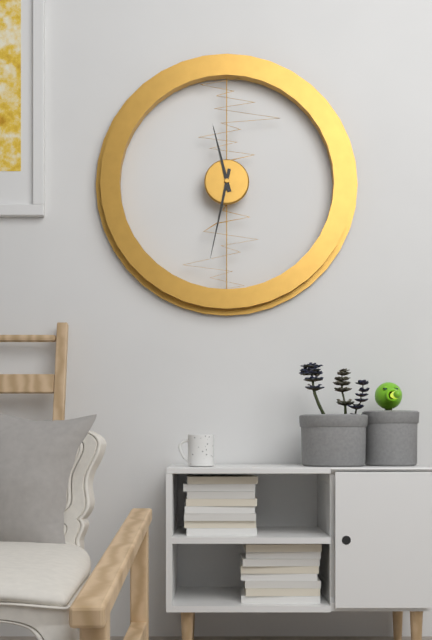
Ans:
11h32
